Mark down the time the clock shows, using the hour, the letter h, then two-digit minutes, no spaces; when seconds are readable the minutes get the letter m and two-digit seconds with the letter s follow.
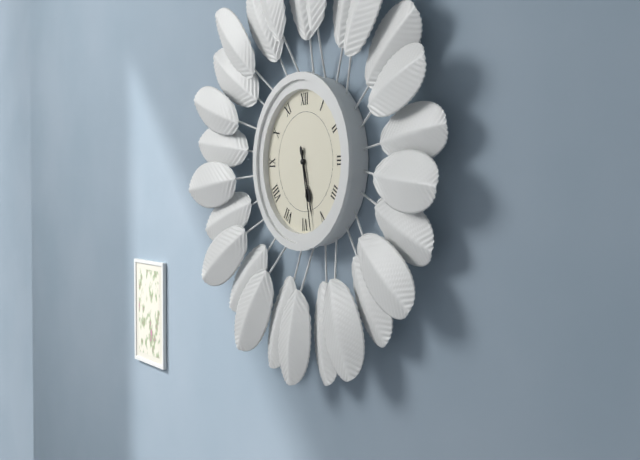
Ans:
5h28
